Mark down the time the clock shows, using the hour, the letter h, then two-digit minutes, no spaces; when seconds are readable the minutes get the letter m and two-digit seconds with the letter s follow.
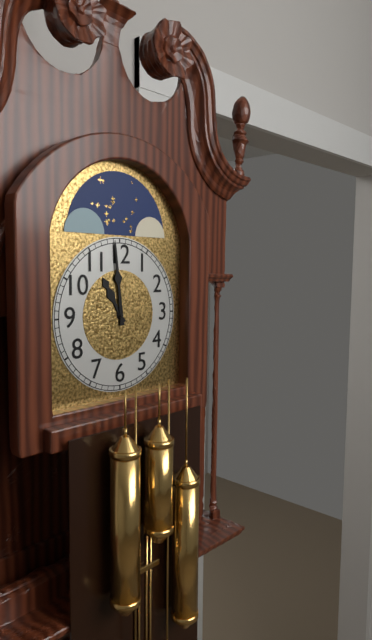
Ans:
10h59
